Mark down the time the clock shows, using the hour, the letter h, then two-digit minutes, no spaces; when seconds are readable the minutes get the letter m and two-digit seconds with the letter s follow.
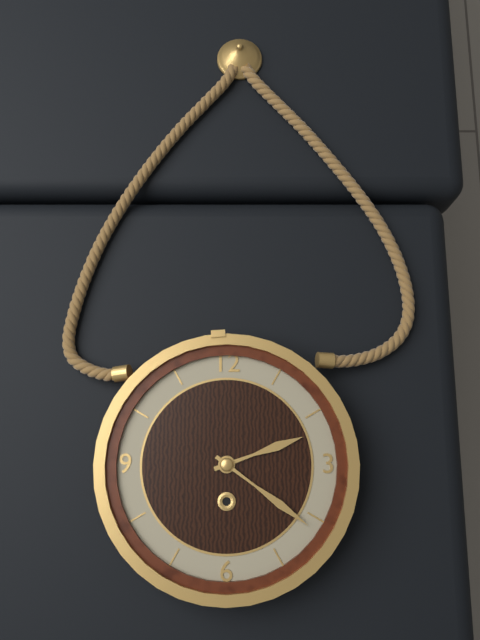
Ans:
2h21
